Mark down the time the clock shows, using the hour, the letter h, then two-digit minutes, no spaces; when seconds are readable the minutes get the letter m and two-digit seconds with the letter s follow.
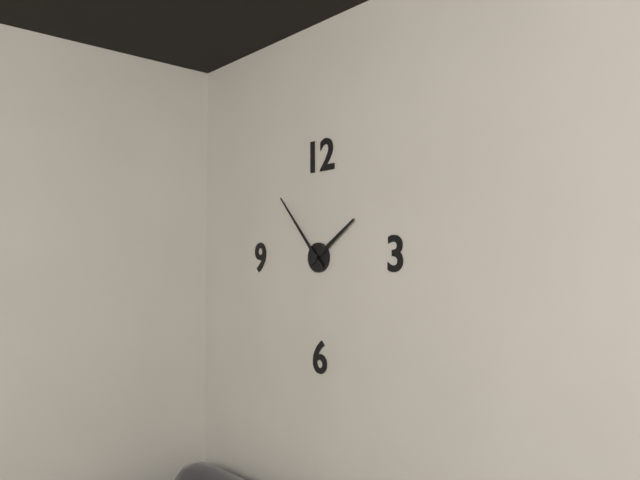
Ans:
1h53
